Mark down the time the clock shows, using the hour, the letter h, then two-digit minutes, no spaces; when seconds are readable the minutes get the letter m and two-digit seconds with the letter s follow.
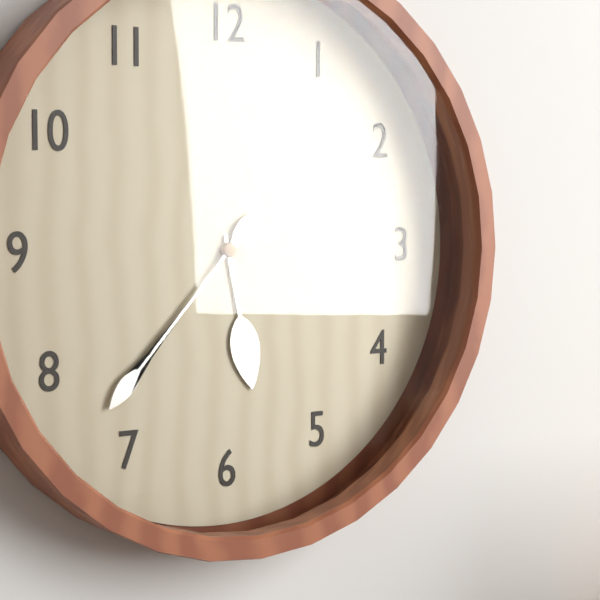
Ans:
5h37
